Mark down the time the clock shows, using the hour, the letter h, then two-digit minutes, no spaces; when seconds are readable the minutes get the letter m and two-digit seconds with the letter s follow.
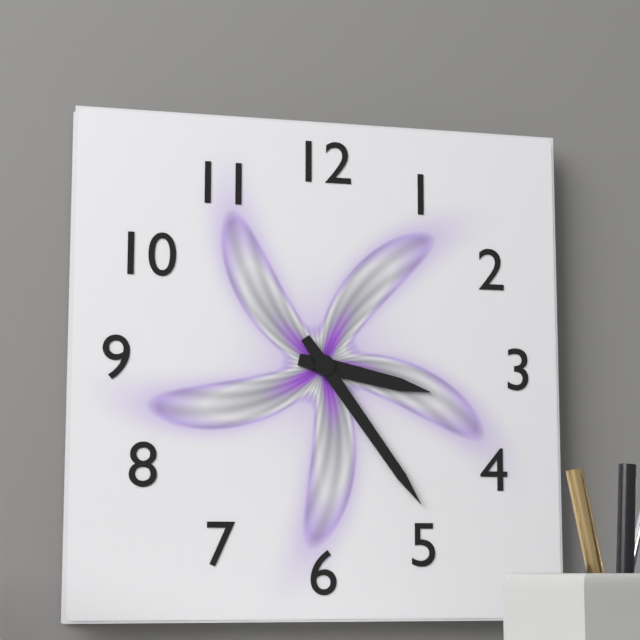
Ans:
3h24
